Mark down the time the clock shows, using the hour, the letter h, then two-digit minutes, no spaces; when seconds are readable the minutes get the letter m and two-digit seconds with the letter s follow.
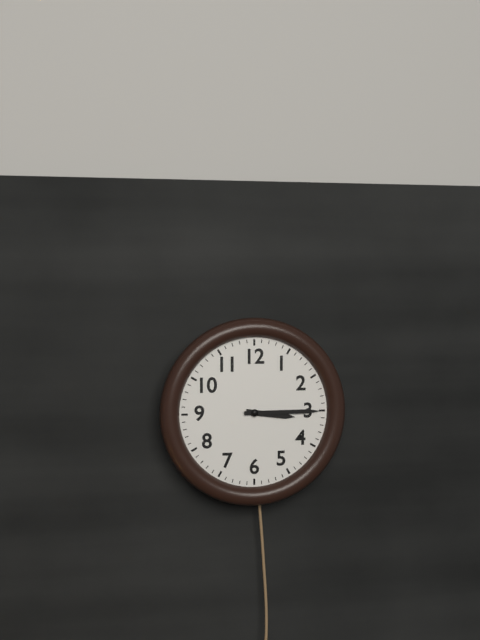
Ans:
3h15
